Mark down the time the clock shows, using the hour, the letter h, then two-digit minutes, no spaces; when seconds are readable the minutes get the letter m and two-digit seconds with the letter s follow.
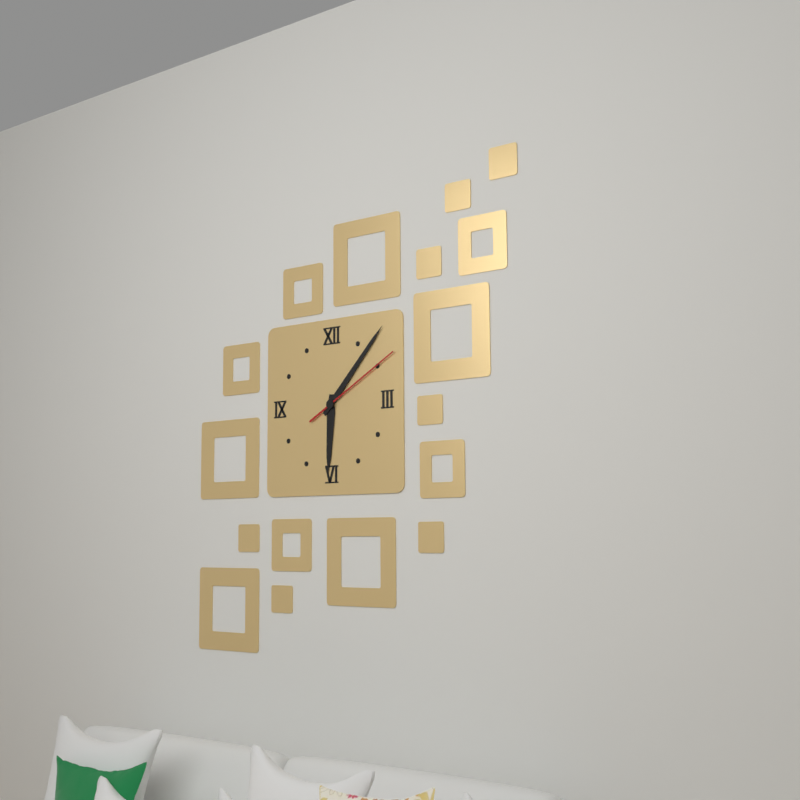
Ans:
6h07m10s
